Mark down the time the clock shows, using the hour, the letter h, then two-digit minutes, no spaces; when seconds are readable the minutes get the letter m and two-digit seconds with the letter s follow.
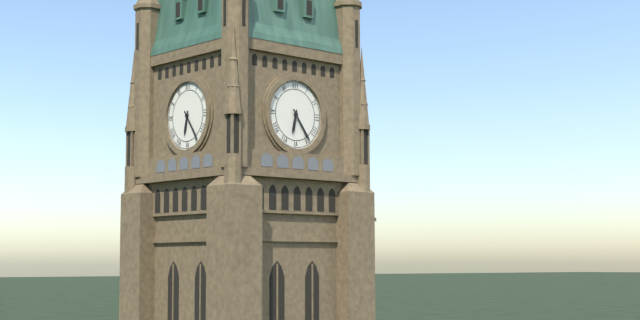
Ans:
6h24
